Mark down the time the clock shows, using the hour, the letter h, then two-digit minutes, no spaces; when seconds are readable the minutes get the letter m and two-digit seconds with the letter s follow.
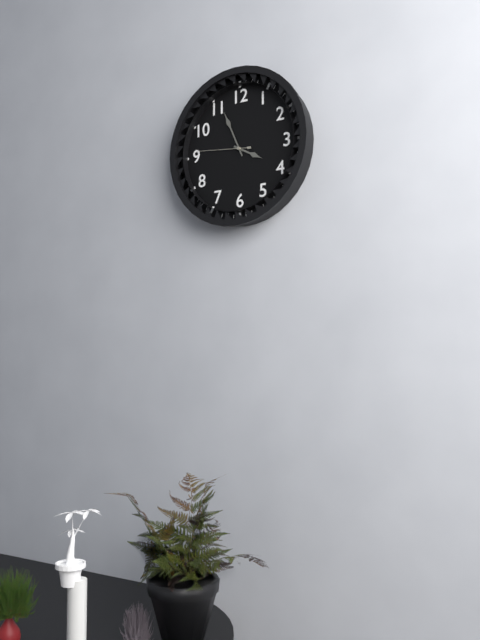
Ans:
3h56m46s
